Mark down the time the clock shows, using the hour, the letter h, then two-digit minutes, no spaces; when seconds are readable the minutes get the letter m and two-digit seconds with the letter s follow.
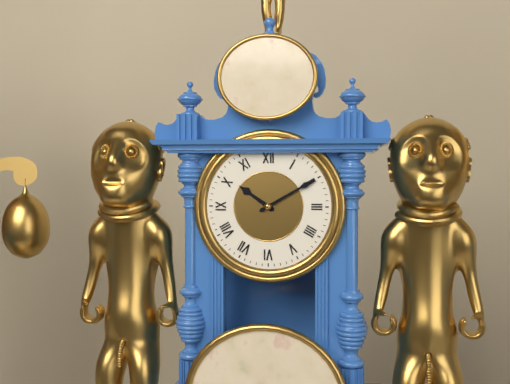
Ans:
10h10
